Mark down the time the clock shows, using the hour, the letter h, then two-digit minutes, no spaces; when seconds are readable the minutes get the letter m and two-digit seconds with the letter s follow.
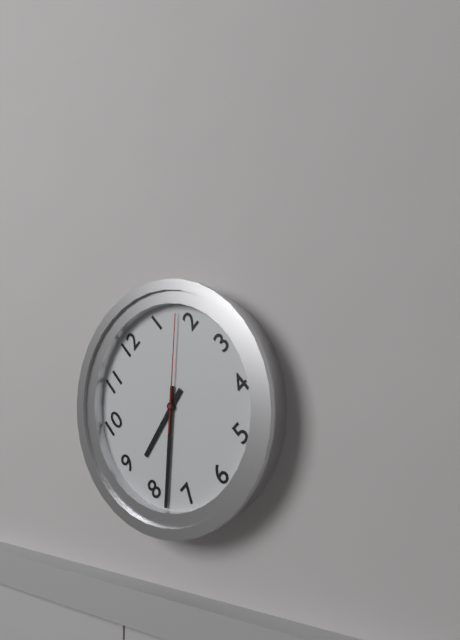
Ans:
8h38m08s
